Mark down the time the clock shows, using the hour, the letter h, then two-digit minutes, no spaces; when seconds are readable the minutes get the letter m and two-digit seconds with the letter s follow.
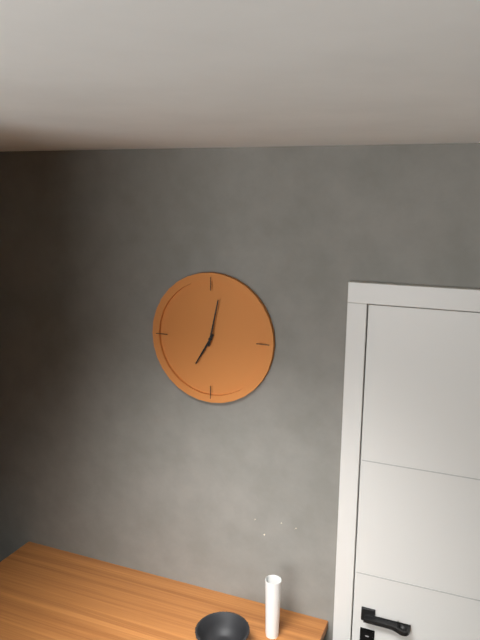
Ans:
7h02
